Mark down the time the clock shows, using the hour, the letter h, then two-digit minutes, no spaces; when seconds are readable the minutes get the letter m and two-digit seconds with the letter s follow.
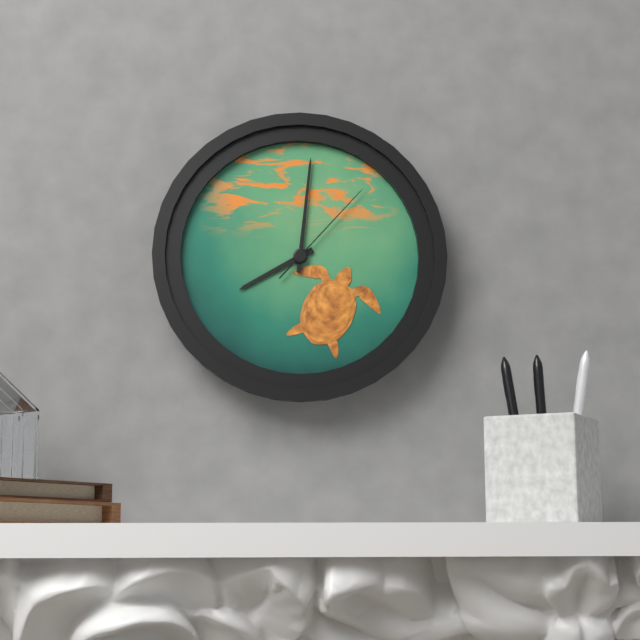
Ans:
8h01m07s
